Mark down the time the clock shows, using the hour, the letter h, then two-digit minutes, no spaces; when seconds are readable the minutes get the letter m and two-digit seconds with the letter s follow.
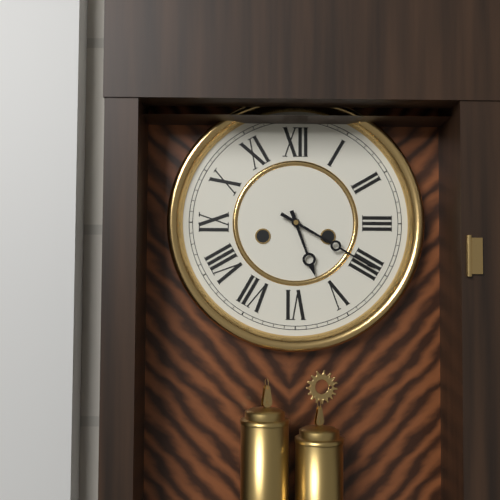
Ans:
5h20
